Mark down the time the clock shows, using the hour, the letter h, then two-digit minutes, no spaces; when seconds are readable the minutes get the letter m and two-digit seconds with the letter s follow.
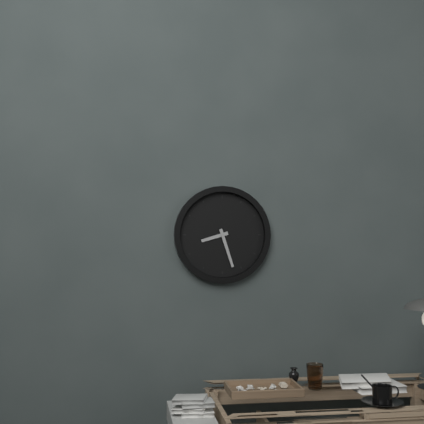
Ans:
8h27
